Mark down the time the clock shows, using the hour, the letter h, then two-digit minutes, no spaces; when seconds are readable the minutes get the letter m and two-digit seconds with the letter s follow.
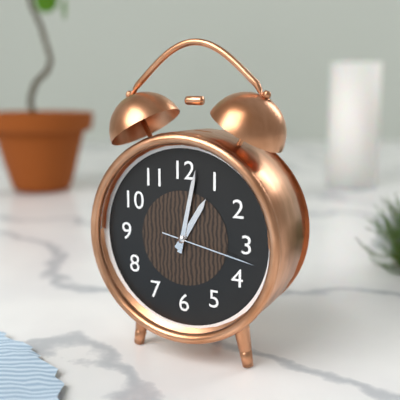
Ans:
1h02m17s
